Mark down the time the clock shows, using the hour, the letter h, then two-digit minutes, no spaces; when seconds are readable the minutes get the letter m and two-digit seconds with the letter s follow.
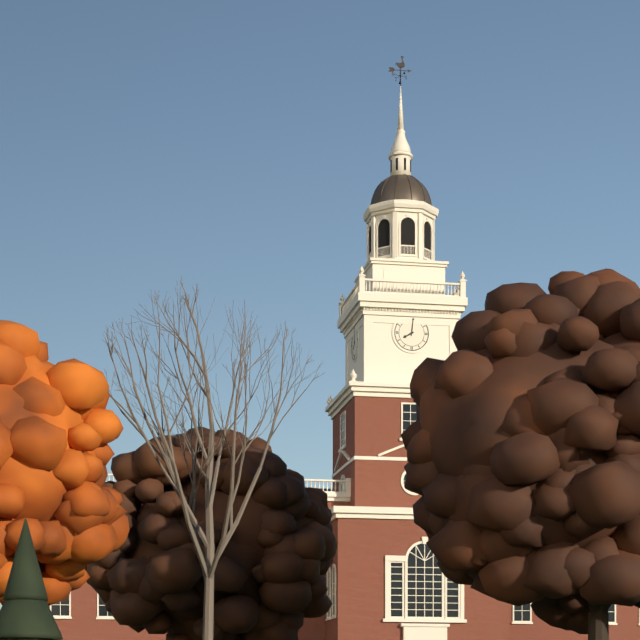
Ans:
8h01
